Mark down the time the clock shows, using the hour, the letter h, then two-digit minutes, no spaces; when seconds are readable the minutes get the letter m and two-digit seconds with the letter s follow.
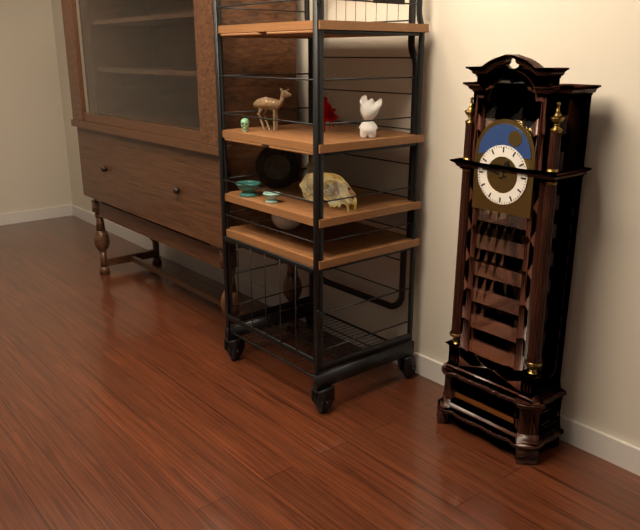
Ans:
12h47
